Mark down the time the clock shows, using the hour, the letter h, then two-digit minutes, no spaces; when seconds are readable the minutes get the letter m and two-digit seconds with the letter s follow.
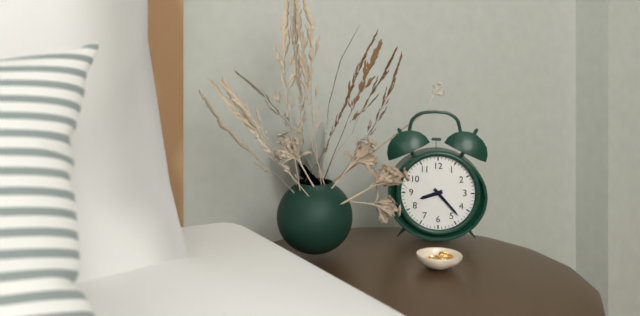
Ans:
8h23
